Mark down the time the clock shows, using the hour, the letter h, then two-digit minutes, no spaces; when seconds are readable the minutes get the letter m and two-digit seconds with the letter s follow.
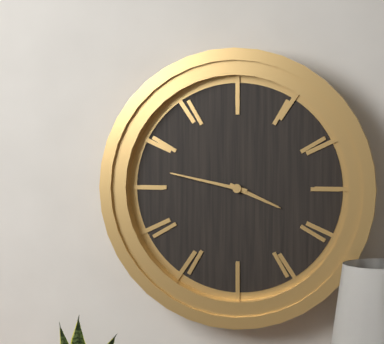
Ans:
3h47
